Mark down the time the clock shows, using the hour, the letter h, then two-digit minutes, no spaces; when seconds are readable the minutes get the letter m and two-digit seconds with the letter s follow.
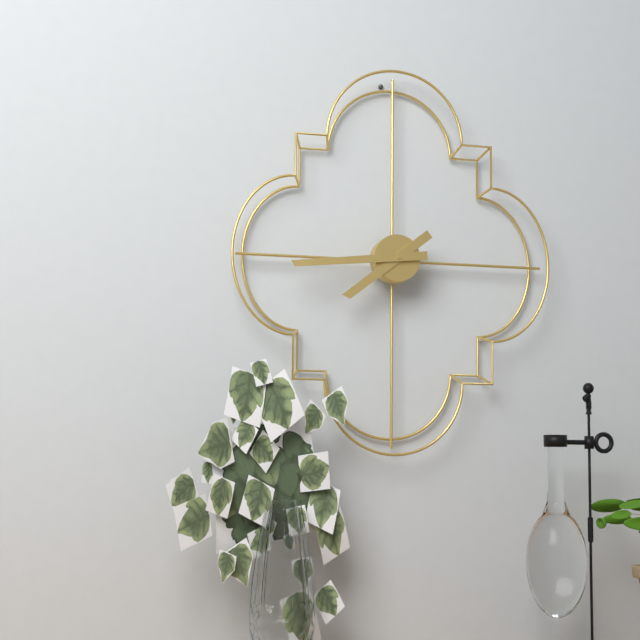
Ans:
7h44
